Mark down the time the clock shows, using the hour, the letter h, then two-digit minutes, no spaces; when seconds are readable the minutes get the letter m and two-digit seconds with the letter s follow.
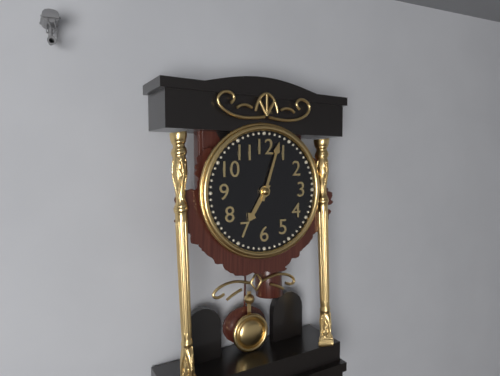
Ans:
7h03
